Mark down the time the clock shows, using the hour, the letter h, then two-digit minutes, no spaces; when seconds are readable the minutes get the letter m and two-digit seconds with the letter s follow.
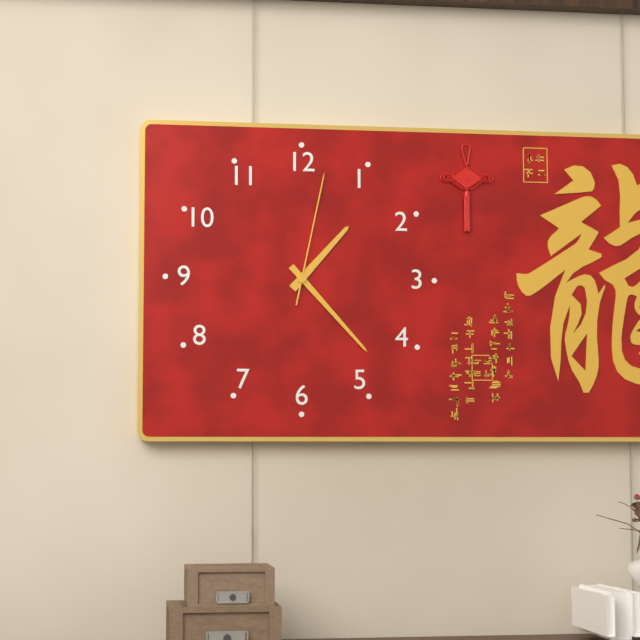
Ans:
1h23m02s
